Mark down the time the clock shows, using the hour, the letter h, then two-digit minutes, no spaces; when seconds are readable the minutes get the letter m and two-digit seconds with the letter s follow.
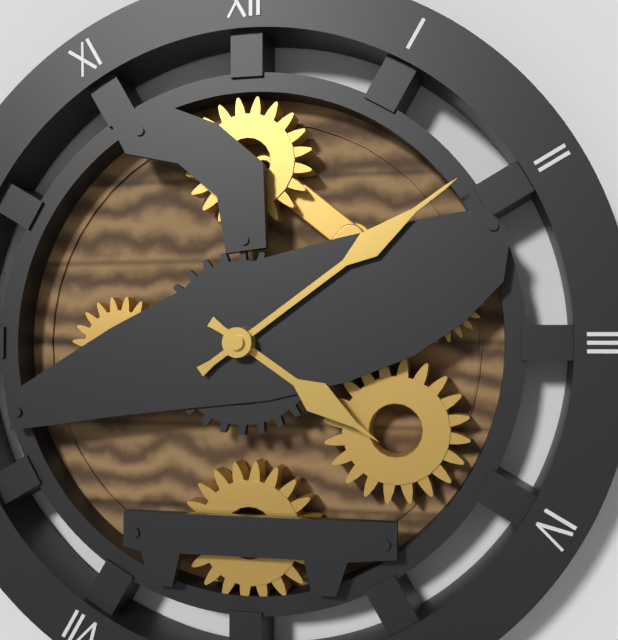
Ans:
4h09
